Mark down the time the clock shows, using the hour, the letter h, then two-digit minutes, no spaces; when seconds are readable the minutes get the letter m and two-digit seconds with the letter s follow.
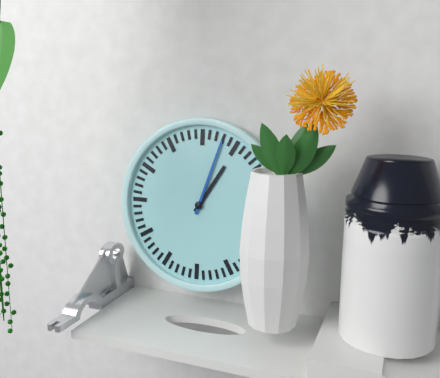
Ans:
1h03
